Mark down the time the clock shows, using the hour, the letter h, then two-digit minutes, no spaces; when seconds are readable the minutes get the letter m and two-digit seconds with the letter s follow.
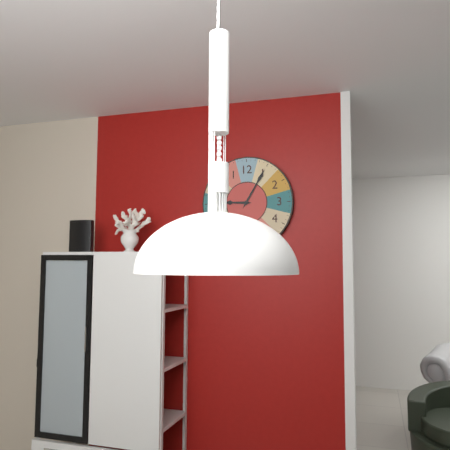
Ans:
9h05
